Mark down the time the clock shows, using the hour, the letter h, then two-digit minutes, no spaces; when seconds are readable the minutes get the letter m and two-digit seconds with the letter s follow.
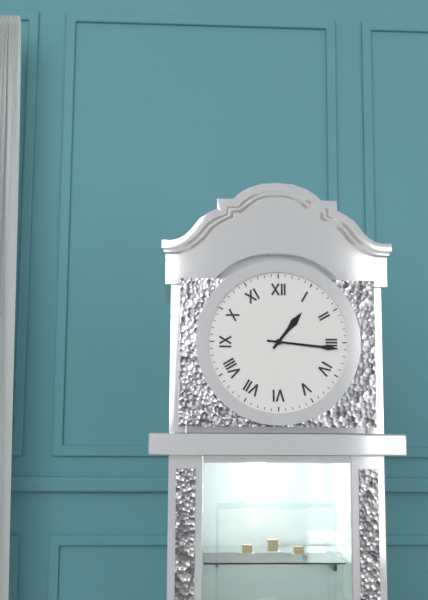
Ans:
1h16
